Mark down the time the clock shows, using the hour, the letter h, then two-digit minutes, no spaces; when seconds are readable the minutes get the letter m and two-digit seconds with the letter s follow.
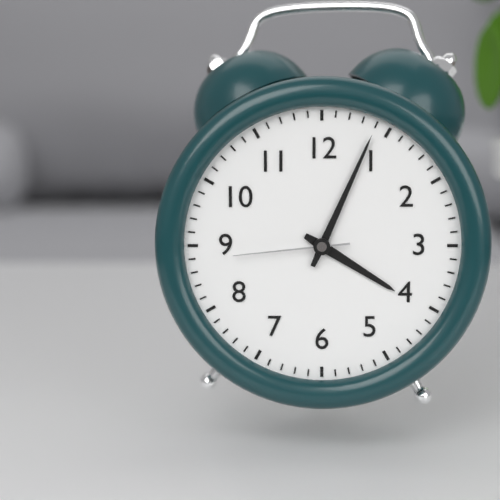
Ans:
4h04m44s
